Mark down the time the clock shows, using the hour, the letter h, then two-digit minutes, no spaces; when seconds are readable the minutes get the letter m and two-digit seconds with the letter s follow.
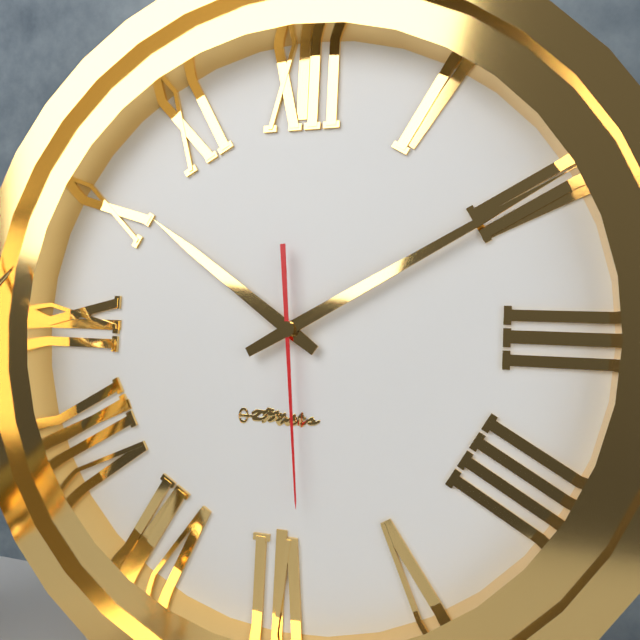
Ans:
10h10m29s
